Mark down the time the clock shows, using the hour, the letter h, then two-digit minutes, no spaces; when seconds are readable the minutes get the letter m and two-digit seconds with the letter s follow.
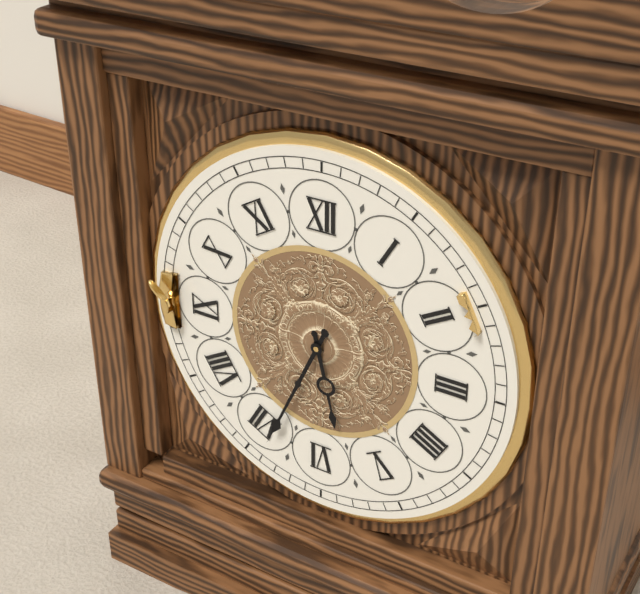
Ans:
5h34
